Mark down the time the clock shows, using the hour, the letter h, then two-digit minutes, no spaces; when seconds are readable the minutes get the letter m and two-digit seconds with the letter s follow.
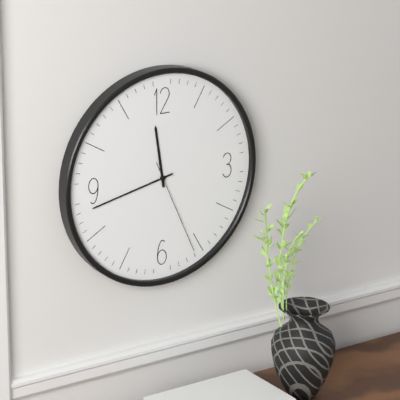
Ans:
11h43m26s
